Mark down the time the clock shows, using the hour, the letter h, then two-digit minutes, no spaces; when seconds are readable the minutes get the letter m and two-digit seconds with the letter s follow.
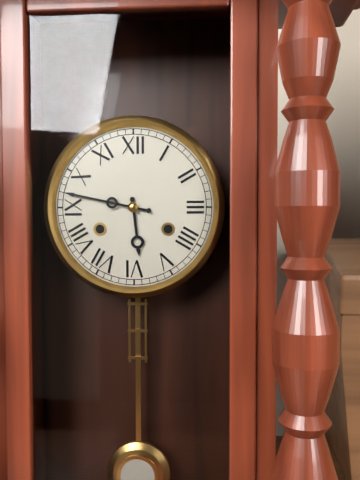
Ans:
5h47
